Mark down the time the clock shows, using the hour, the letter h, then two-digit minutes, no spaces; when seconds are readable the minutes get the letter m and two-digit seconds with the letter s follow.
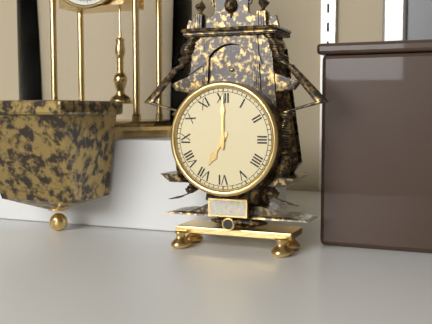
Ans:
7h00
